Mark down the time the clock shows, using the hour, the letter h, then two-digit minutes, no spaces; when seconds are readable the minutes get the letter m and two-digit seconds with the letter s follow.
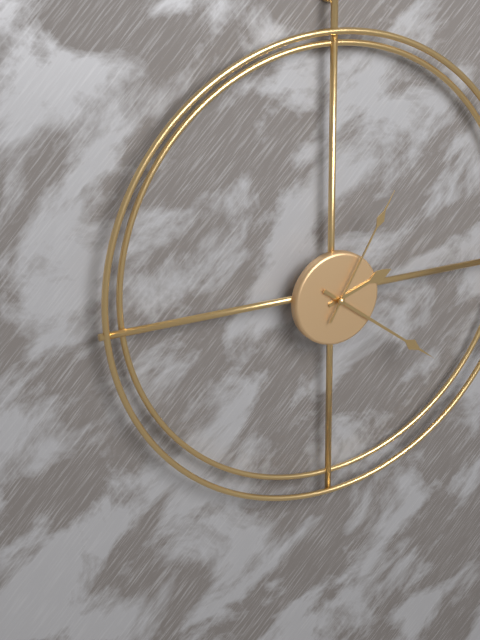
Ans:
2h21m05s
